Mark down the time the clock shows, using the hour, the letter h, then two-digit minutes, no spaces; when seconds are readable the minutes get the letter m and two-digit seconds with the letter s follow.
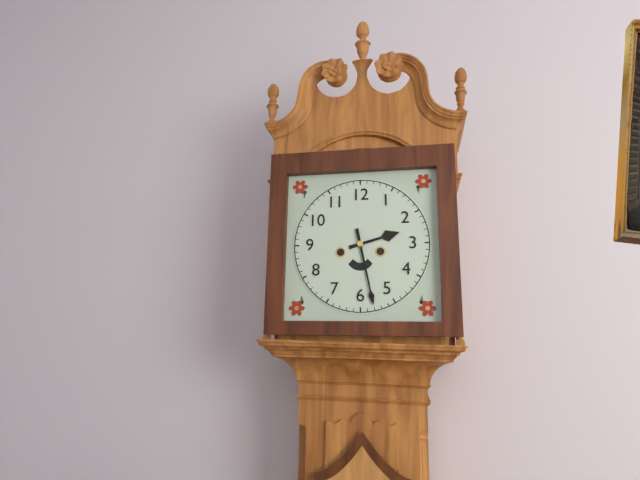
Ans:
2h28
